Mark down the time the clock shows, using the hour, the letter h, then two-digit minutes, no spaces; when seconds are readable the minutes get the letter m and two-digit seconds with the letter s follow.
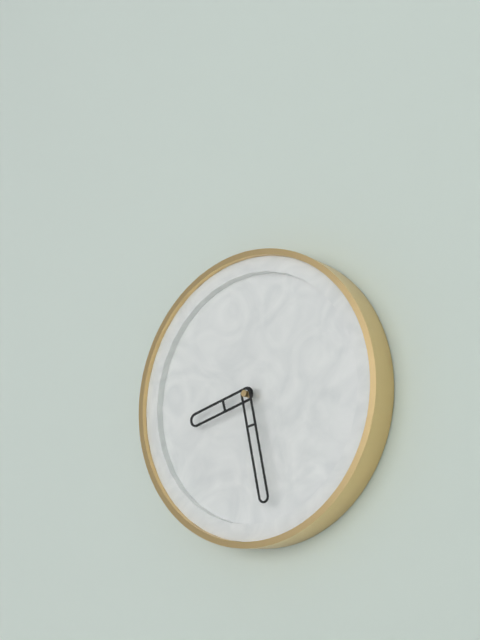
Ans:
8h28
